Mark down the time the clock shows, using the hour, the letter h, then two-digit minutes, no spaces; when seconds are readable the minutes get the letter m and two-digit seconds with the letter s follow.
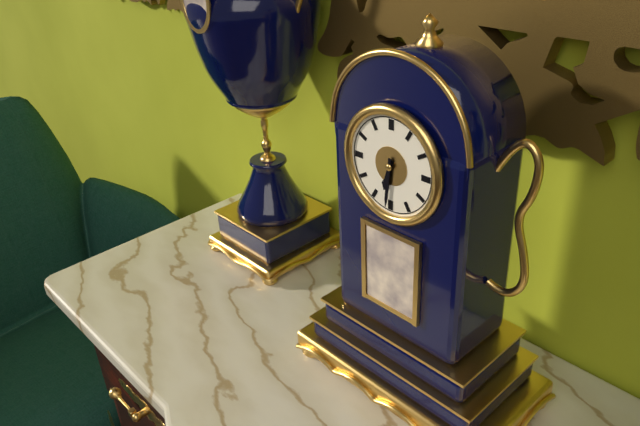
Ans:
6h31
